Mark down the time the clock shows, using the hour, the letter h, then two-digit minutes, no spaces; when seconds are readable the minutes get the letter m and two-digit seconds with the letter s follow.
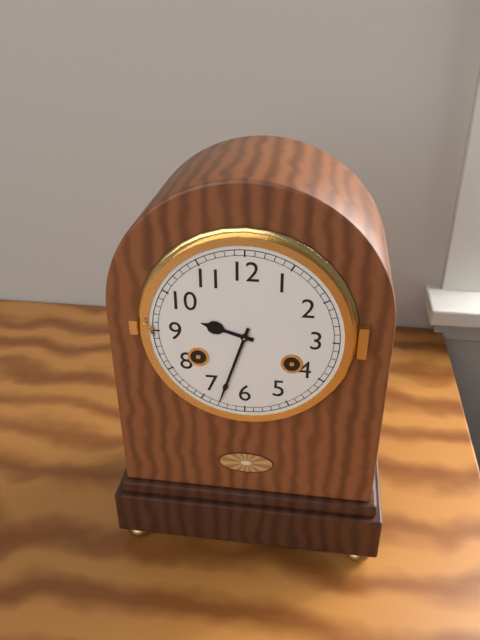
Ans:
9h33
